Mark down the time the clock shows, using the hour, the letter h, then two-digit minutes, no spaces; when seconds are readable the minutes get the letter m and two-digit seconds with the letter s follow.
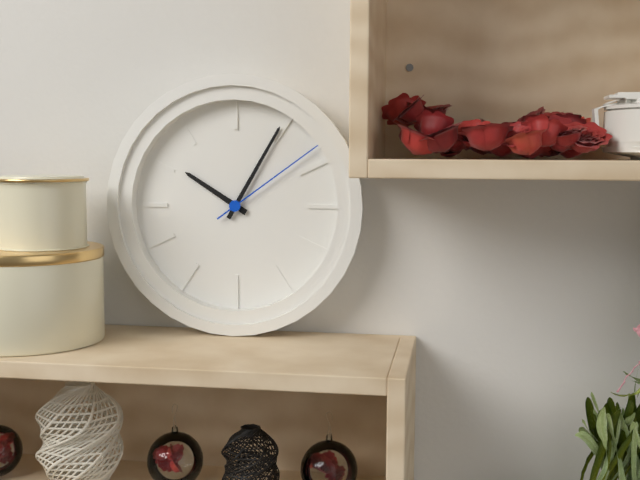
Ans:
10h05m09s
